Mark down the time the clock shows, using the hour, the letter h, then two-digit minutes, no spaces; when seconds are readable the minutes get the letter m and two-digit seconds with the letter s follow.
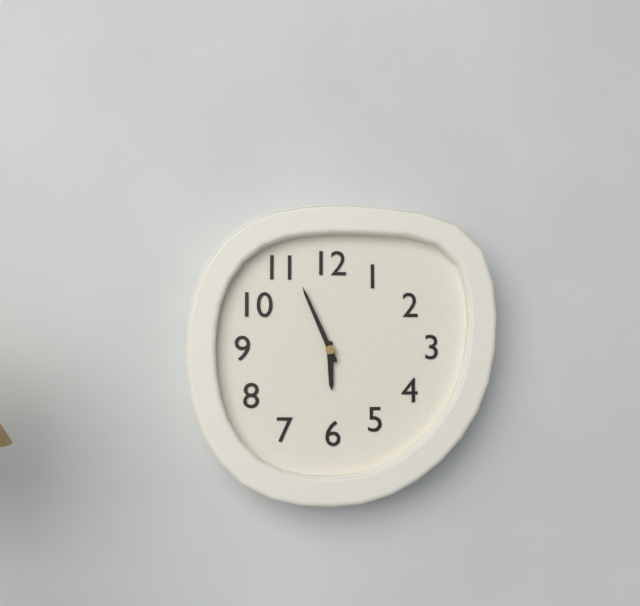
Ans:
5h56
